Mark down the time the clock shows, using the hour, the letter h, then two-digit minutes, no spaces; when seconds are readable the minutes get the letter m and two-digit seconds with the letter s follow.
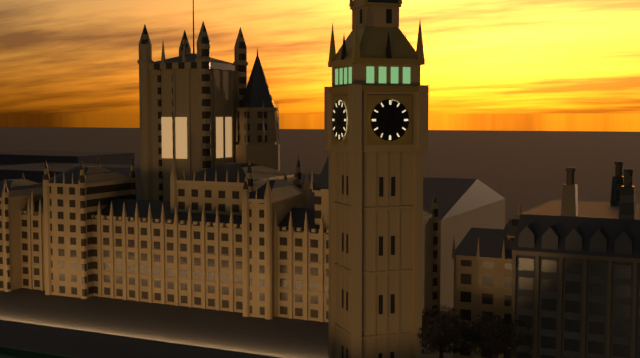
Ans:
12h35
